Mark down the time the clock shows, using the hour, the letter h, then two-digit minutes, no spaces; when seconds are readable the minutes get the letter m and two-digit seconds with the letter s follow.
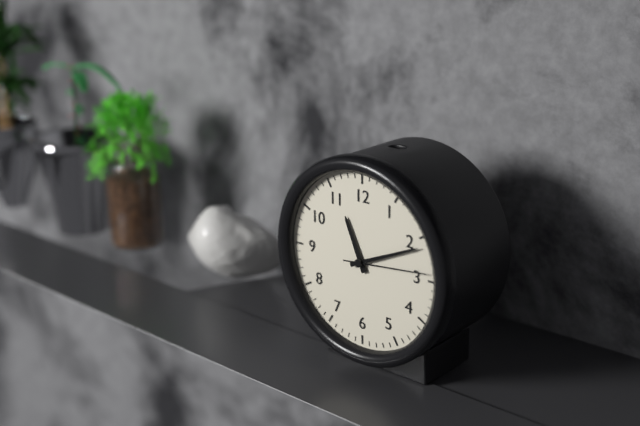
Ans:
11h11m14s
